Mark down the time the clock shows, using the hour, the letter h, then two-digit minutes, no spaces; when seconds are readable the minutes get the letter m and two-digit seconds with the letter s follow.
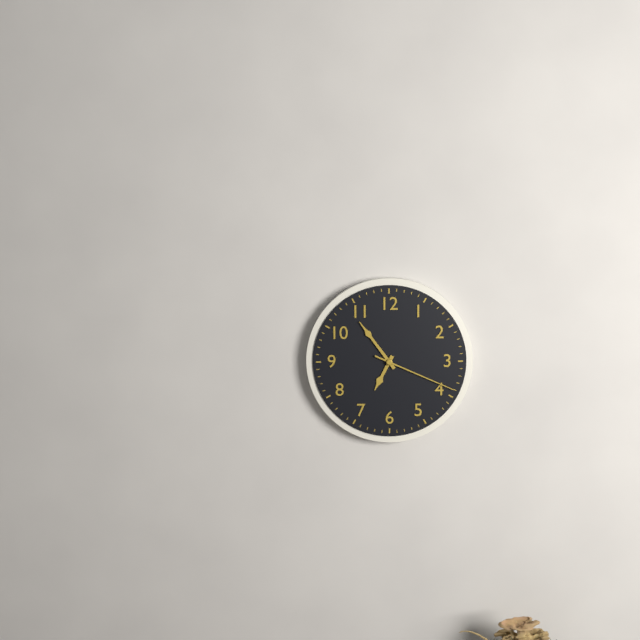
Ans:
6h54m19s
